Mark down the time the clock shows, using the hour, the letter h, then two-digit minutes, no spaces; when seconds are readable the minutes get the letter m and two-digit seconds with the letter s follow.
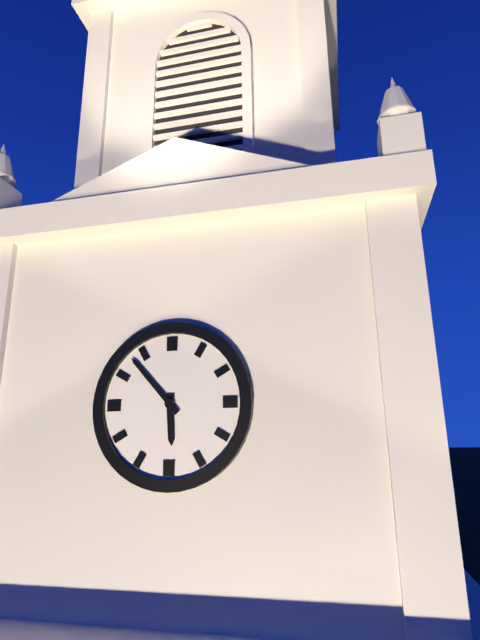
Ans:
5h53
